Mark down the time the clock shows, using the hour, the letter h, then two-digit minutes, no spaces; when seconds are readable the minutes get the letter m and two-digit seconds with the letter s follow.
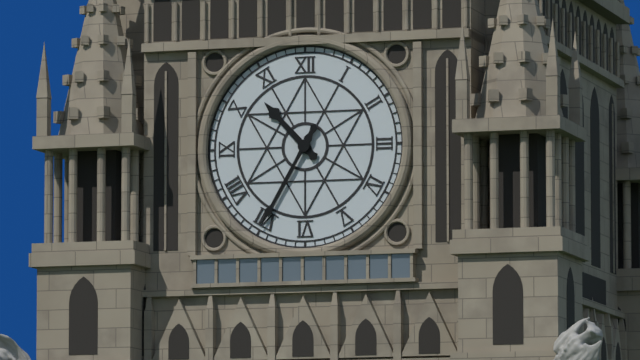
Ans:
10h35
